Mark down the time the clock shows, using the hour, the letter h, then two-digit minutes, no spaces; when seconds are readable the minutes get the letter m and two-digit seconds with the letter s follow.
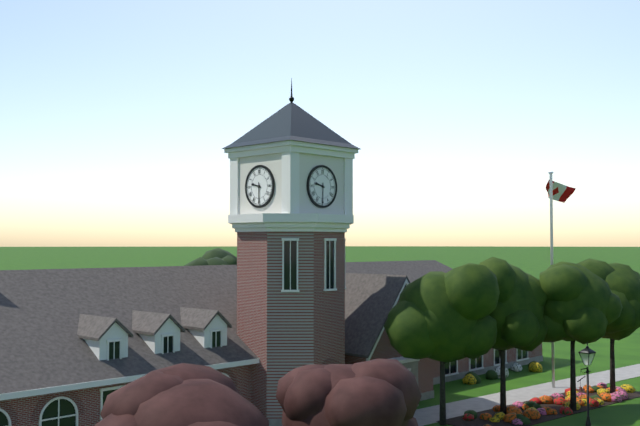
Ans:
9h30
